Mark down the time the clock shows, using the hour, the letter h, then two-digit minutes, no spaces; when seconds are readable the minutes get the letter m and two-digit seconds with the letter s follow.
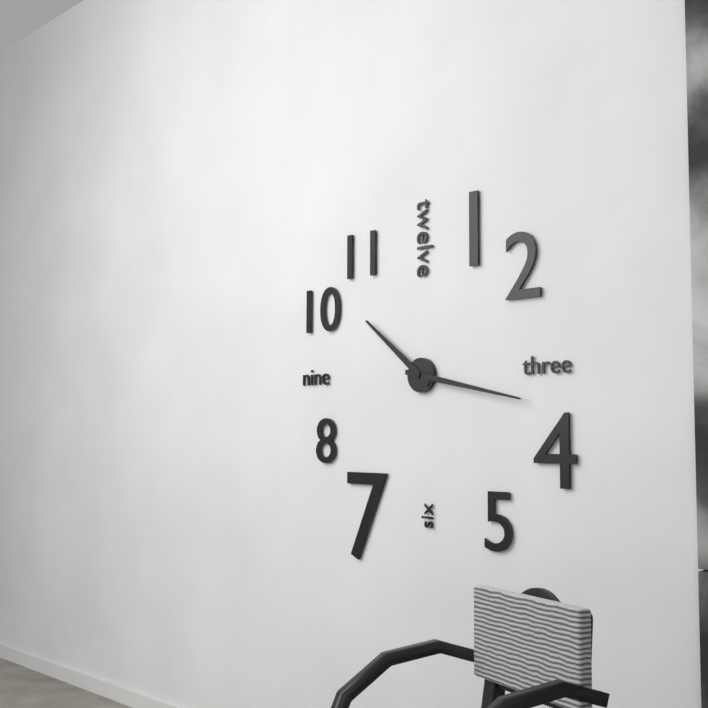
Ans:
10h17
